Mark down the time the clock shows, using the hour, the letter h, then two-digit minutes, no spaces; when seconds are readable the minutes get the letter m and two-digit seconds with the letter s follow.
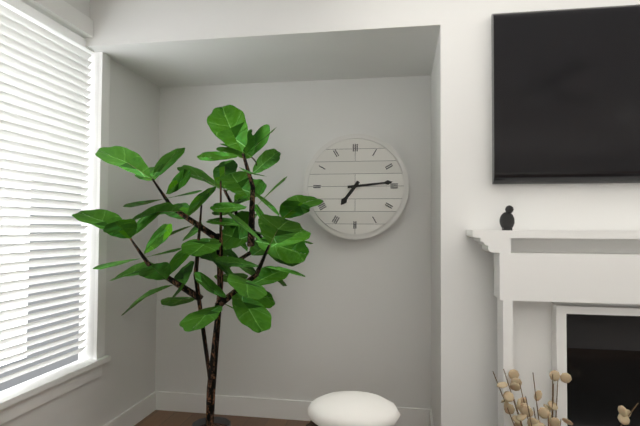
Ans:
7h14
